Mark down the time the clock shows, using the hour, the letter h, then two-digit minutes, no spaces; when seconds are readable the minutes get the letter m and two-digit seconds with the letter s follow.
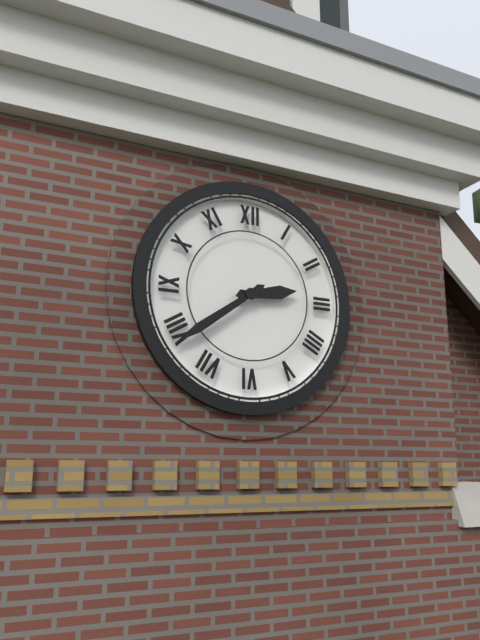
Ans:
2h39
